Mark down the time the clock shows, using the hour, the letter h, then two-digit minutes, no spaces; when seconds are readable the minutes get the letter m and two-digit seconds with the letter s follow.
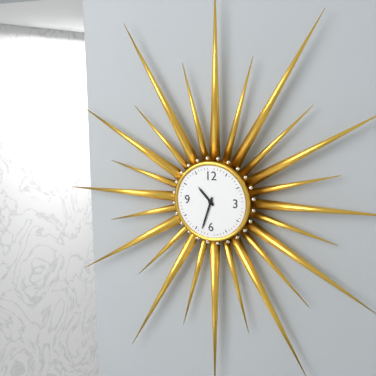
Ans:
10h33
